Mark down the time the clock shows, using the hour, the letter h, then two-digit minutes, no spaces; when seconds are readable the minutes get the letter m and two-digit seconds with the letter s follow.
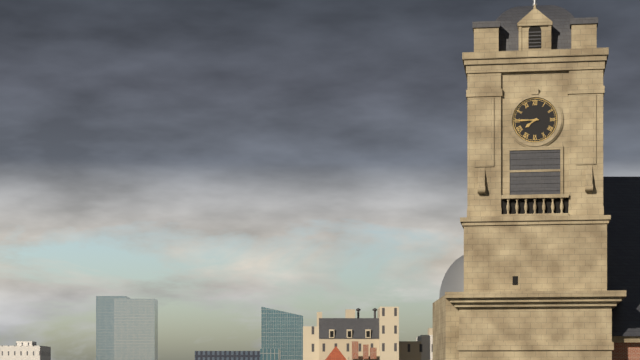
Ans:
7h45
